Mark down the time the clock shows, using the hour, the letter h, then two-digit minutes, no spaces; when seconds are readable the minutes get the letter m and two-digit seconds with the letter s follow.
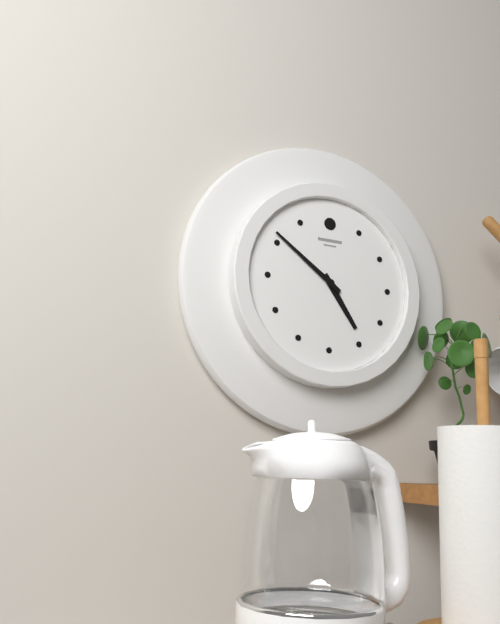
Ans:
4h51
